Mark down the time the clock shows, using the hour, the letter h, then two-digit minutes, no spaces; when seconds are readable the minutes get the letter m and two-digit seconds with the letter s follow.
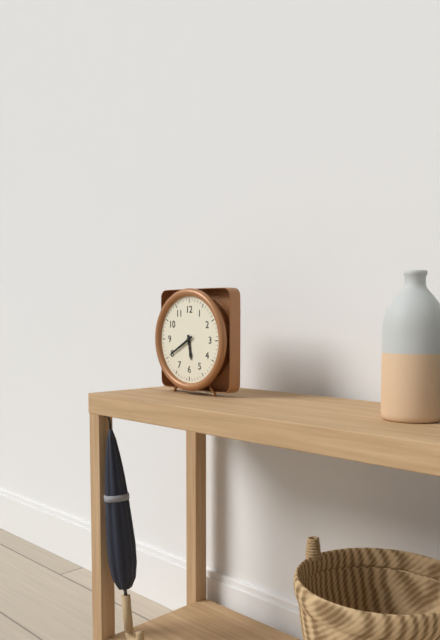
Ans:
5h40
